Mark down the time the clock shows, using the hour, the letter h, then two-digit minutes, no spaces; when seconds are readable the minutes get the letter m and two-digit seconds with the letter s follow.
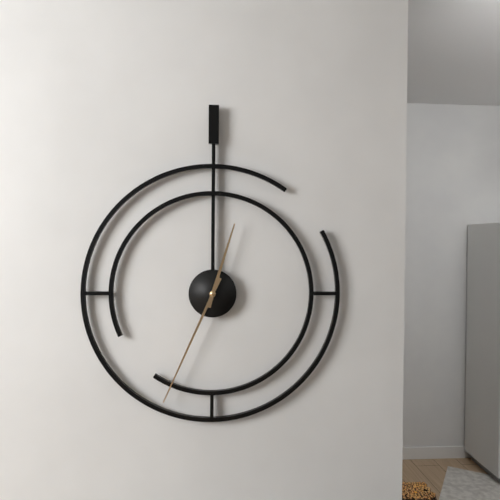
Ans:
12h34
